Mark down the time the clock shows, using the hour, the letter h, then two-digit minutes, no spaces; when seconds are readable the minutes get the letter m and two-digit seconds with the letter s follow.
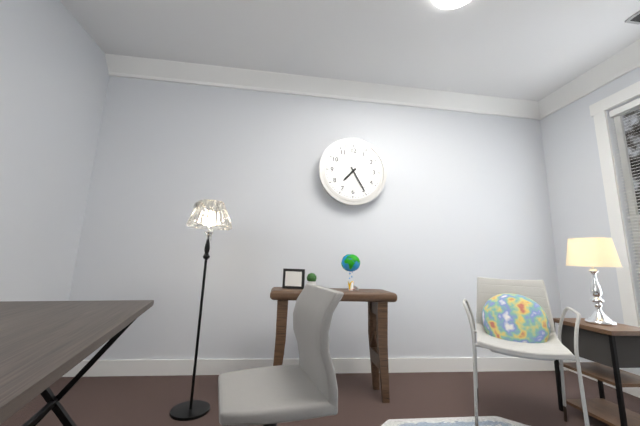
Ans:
7h25
